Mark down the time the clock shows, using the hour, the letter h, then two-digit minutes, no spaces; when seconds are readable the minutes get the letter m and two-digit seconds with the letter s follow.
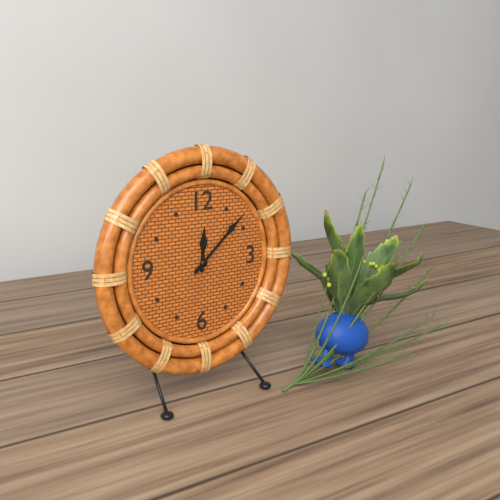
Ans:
12h08
